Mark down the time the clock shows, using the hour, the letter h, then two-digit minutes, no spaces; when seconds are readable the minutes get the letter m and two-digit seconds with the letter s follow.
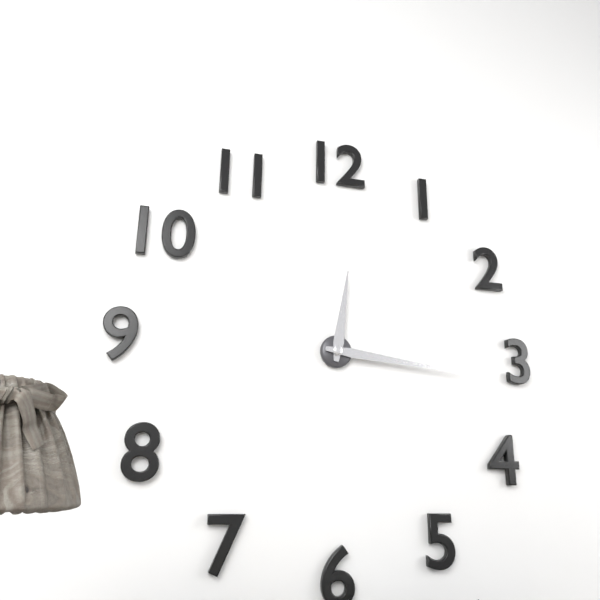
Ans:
12h16
